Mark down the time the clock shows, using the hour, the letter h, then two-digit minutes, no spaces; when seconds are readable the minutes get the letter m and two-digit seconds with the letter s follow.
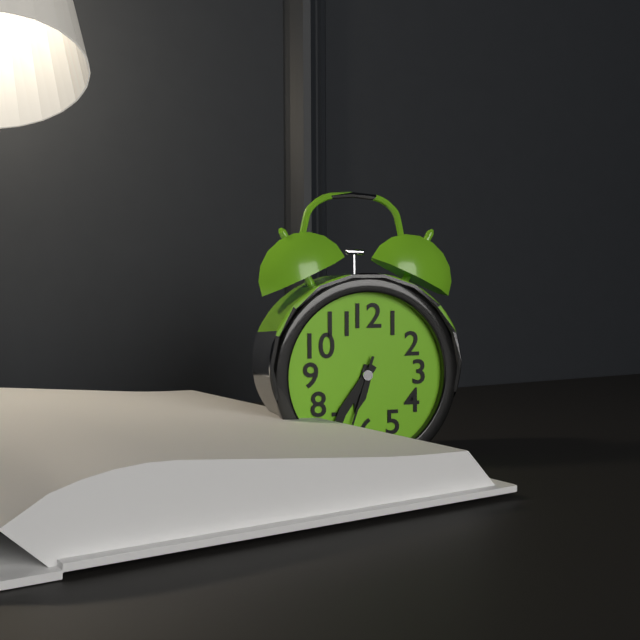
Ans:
6h36m33s
